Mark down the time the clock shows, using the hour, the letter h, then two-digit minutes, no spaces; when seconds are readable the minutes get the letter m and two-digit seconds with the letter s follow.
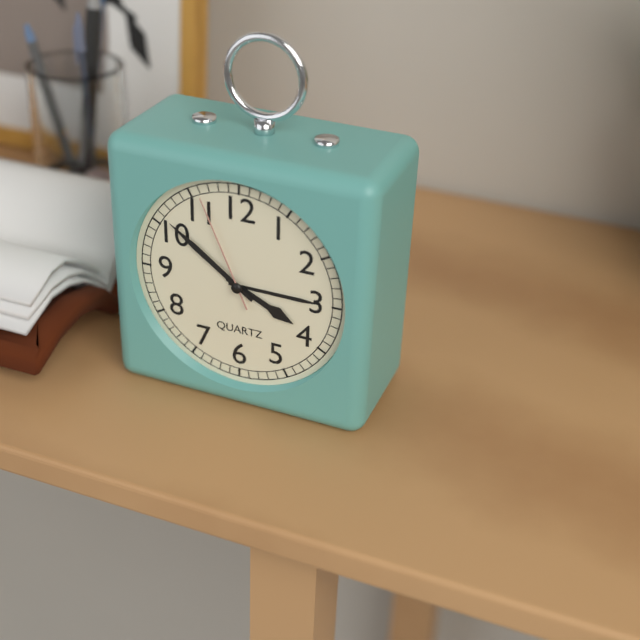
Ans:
3h51m56s
